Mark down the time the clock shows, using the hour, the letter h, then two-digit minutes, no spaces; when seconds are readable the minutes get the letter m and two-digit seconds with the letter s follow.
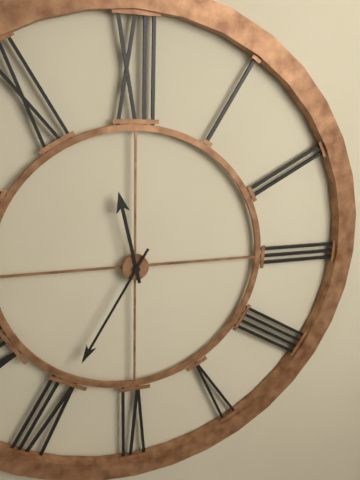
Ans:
11h35
